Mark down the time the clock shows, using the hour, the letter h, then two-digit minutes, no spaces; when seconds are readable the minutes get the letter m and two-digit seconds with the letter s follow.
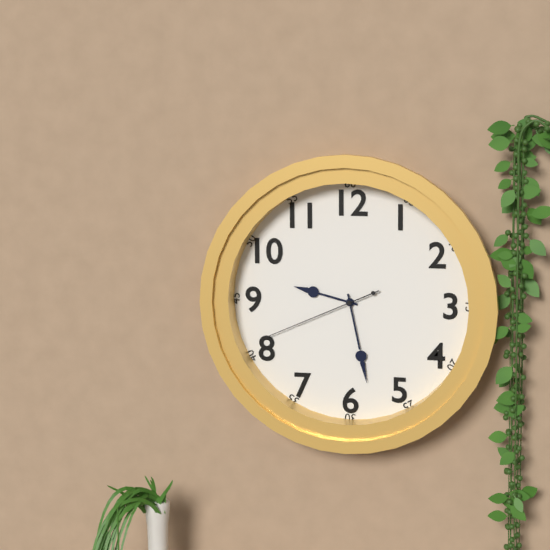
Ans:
9h28m41s
